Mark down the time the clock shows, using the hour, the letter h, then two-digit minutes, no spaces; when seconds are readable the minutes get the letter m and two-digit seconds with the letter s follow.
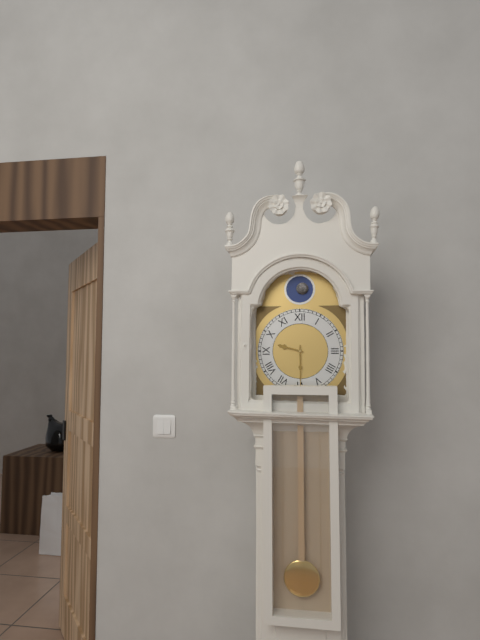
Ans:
9h30
